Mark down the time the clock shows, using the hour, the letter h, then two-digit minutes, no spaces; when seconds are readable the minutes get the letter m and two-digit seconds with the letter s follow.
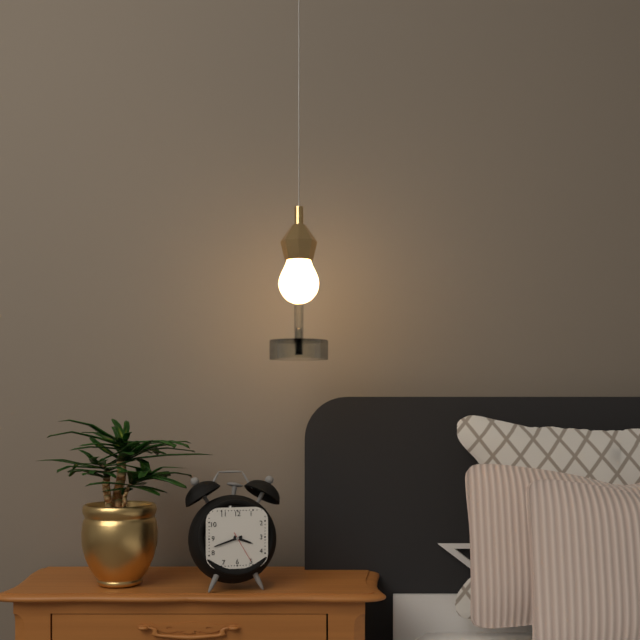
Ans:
3h42
